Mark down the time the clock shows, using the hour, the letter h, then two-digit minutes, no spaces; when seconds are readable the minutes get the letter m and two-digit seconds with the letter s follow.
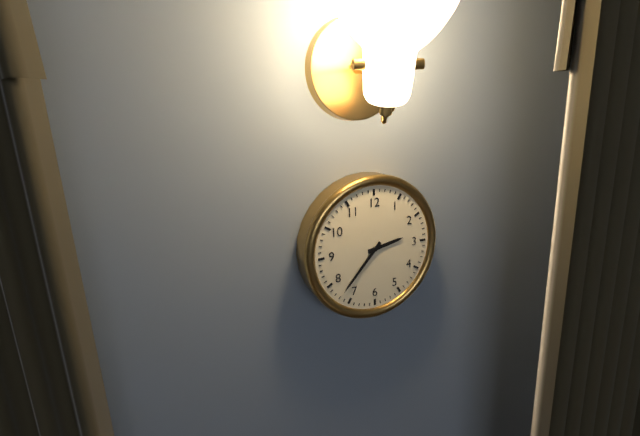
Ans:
2h37
